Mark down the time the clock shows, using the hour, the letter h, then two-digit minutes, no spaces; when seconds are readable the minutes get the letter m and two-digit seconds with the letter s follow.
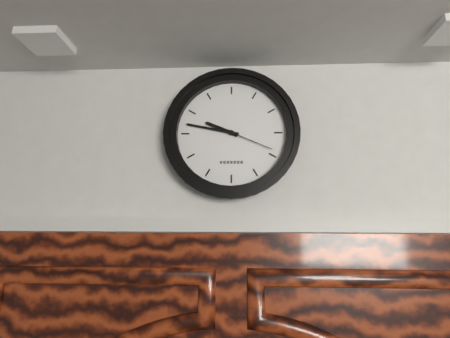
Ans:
9h47m19s
